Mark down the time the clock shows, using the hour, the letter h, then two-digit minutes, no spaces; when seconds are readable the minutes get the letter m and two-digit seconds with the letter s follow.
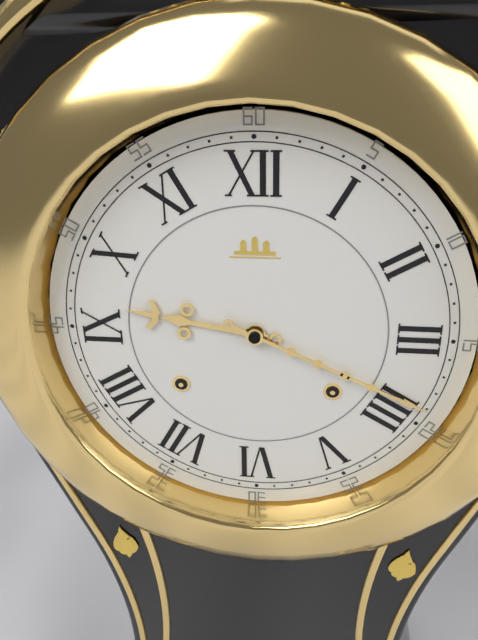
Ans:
9h19
